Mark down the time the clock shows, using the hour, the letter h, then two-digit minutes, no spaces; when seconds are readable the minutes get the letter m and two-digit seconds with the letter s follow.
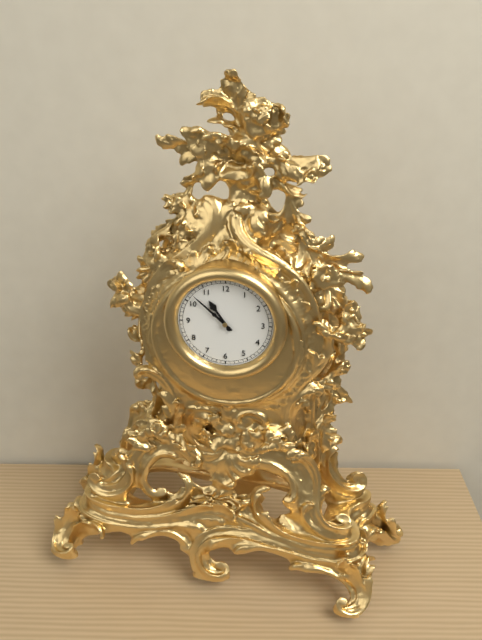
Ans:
10h52
